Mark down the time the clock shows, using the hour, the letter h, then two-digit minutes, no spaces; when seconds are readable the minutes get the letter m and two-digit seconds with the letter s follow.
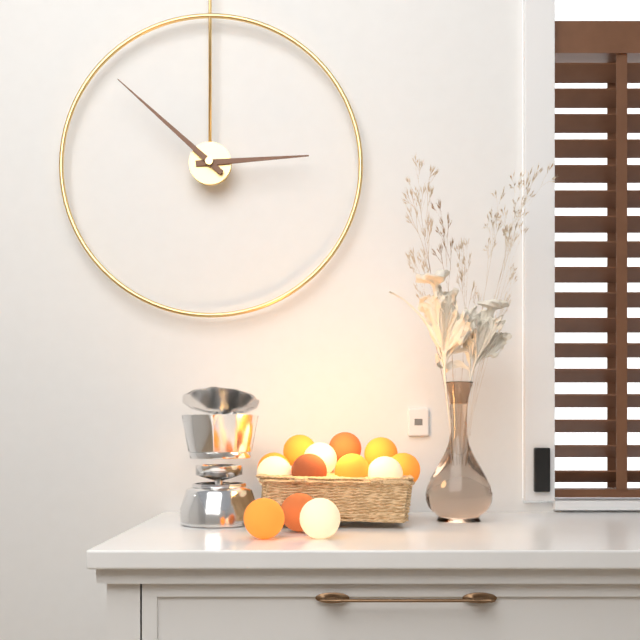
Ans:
2h52
